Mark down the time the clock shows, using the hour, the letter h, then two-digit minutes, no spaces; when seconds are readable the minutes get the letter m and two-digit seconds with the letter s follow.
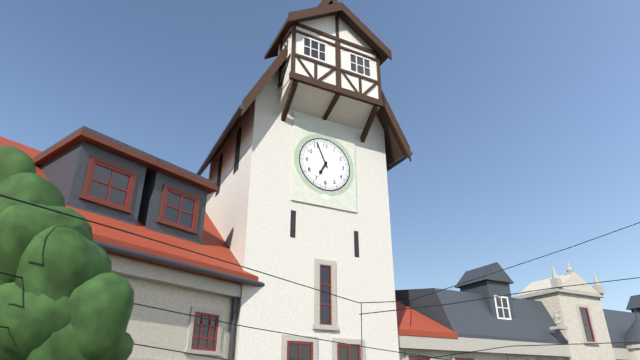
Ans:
6h56
